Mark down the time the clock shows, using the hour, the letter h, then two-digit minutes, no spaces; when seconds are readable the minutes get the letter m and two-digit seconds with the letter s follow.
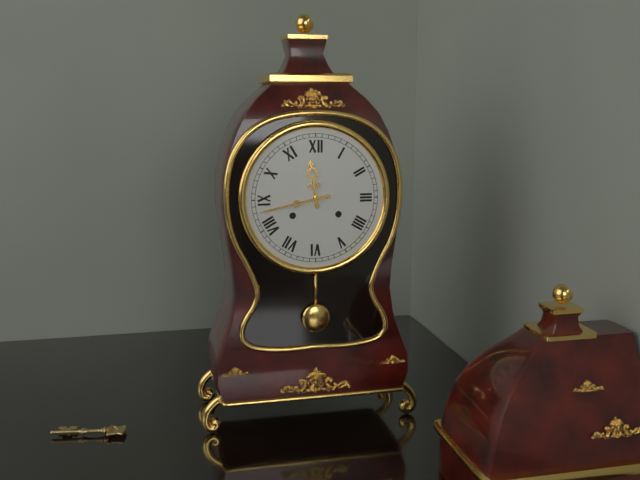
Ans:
11h43
